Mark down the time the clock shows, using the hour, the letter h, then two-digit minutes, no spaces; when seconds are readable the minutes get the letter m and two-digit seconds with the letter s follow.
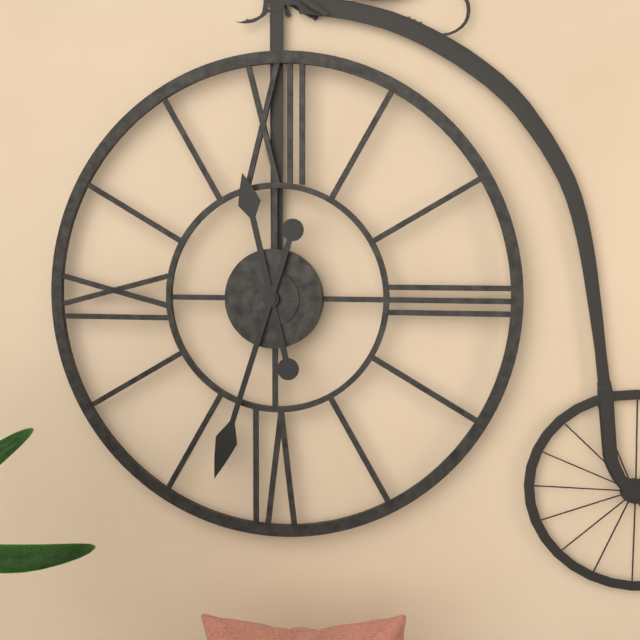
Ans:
11h33
